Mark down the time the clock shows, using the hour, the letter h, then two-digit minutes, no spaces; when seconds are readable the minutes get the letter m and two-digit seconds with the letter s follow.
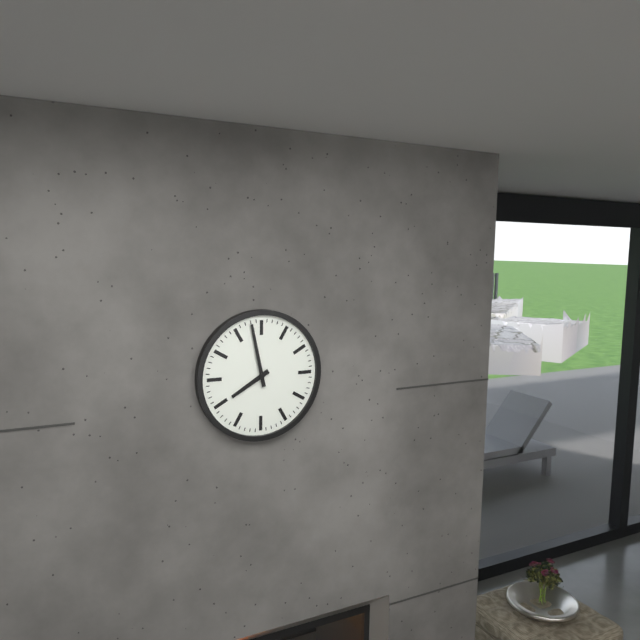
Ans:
7h58
